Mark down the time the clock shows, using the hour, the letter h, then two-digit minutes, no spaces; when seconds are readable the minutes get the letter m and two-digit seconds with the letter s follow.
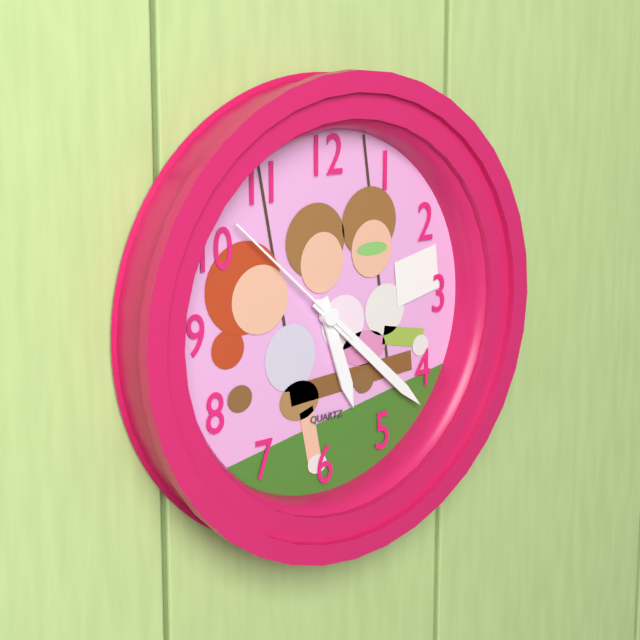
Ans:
5h22m52s
